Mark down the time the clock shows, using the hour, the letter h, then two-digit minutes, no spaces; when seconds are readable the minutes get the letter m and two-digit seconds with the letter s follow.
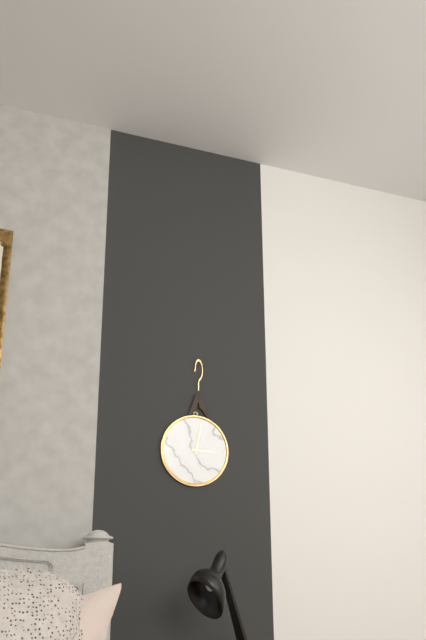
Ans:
3h02
